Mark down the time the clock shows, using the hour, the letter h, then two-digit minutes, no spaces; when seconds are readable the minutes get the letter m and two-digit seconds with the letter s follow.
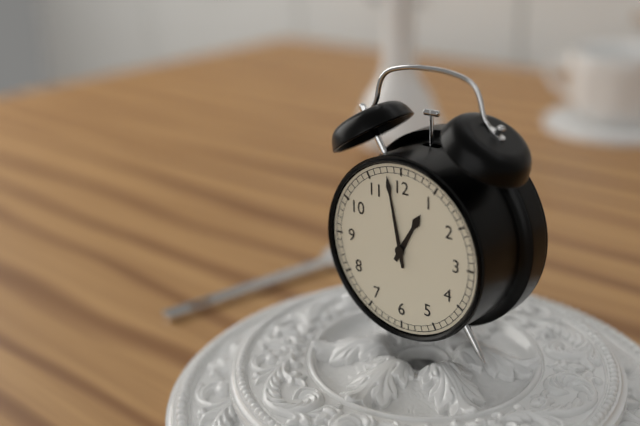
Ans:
12h58
